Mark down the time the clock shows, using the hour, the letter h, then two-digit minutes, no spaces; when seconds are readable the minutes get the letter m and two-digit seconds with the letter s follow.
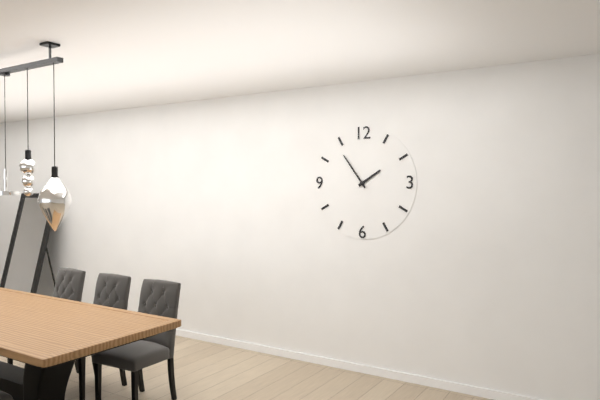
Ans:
1h54
